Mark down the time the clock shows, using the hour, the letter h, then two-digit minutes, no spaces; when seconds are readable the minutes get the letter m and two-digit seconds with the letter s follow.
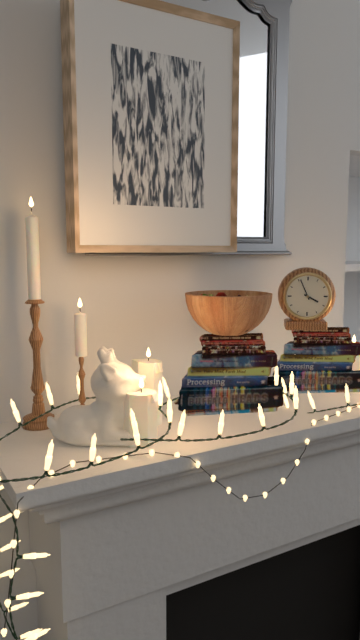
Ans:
3h56
